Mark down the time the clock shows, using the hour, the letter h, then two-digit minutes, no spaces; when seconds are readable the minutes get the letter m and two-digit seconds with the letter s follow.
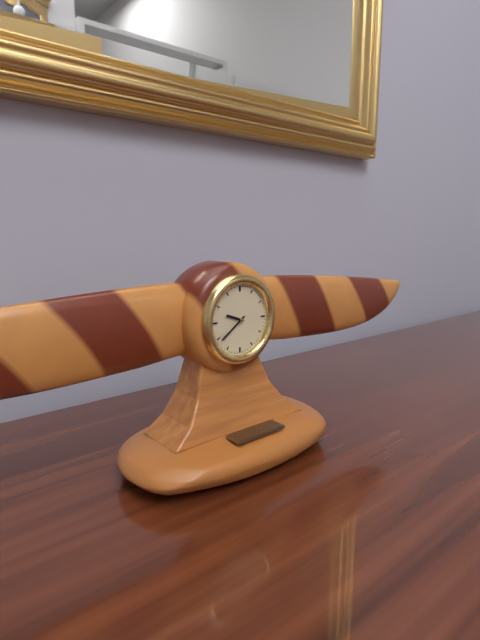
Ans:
9h39
